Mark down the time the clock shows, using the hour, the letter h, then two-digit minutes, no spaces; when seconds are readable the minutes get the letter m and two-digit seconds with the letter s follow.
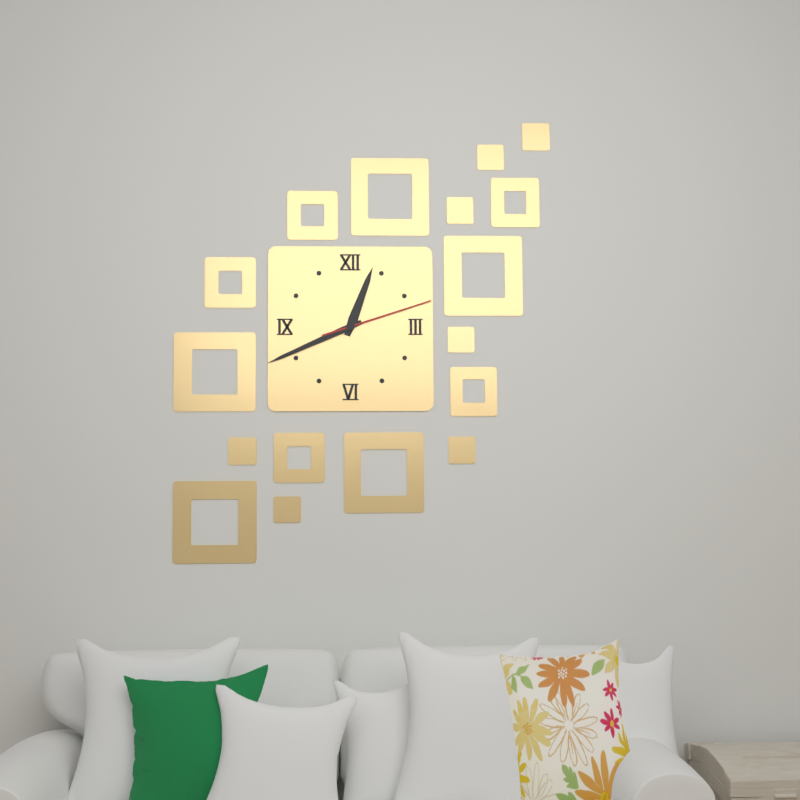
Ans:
12h41m12s
